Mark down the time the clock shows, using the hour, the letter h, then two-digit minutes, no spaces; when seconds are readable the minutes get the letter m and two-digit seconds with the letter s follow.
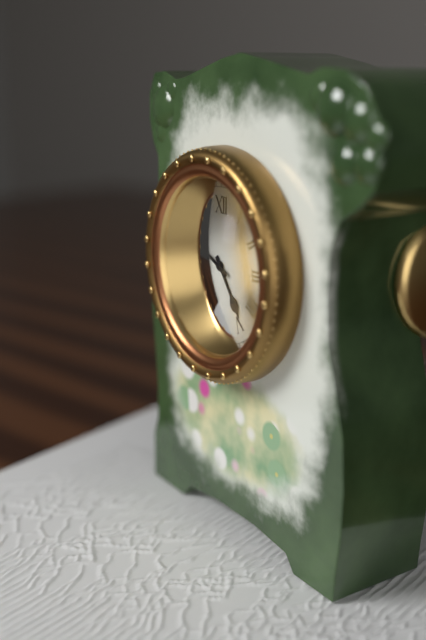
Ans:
4h49
